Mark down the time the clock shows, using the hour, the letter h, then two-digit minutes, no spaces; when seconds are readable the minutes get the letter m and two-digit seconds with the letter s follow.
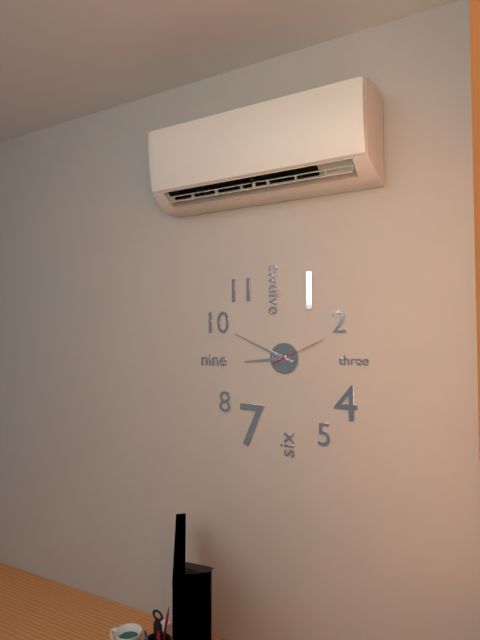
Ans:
8h49m11s
